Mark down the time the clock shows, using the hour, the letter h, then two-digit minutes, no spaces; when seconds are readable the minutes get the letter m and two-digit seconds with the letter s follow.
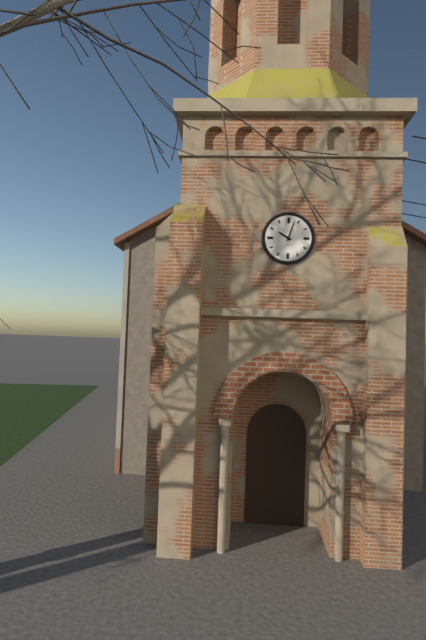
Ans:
10h03
